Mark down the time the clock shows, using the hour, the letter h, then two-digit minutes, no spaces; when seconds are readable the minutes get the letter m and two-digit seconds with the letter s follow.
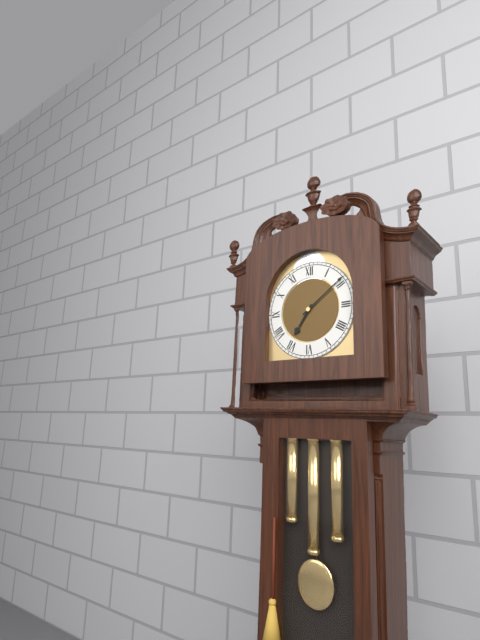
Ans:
7h09
